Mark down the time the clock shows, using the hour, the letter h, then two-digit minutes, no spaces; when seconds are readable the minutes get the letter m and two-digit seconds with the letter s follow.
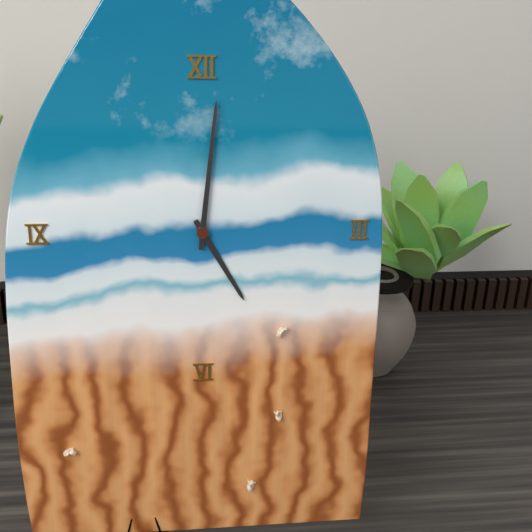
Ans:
5h01
